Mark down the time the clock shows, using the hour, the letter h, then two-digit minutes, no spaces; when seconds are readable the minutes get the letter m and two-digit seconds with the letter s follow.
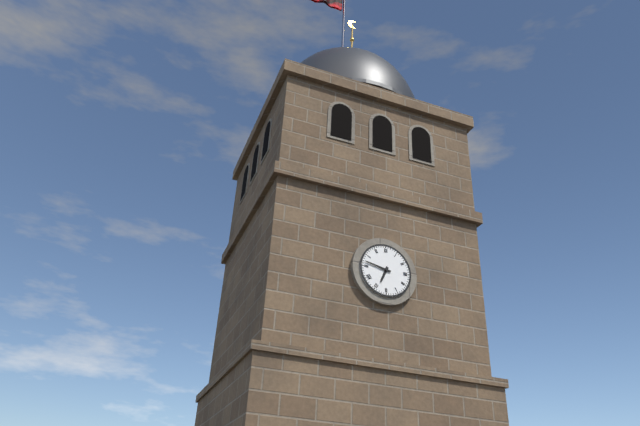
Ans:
6h47
